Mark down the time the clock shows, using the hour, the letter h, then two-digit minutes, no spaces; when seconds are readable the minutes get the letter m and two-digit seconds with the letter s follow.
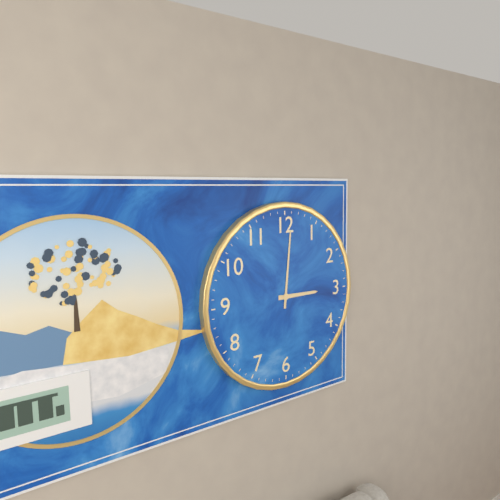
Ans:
3h01
